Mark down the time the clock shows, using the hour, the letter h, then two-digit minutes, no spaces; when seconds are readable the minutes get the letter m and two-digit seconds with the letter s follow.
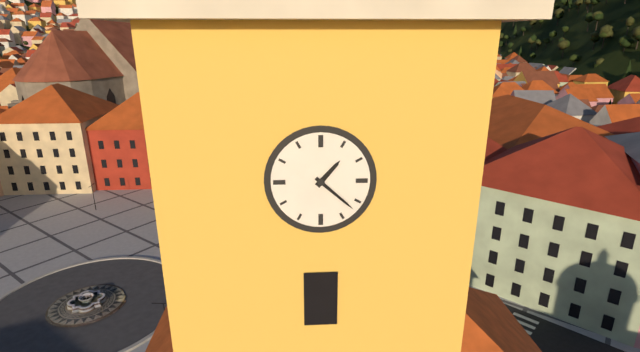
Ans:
1h22
